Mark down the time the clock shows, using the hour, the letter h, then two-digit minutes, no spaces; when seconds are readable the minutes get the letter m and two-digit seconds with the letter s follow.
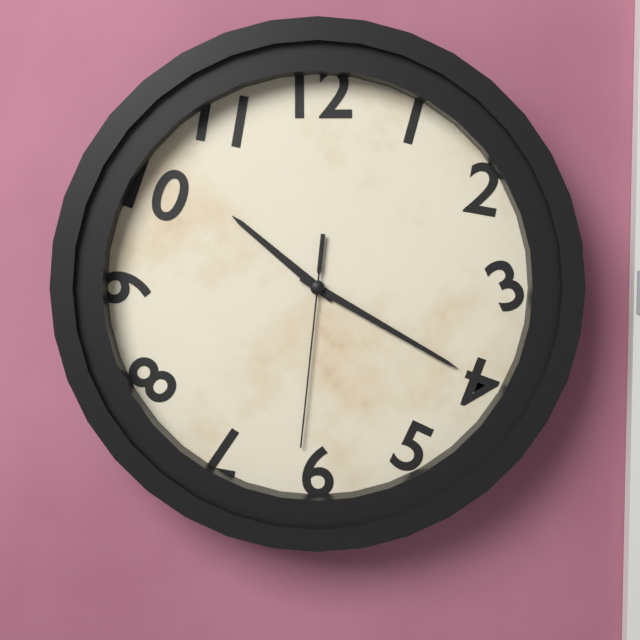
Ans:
10h20m31s
